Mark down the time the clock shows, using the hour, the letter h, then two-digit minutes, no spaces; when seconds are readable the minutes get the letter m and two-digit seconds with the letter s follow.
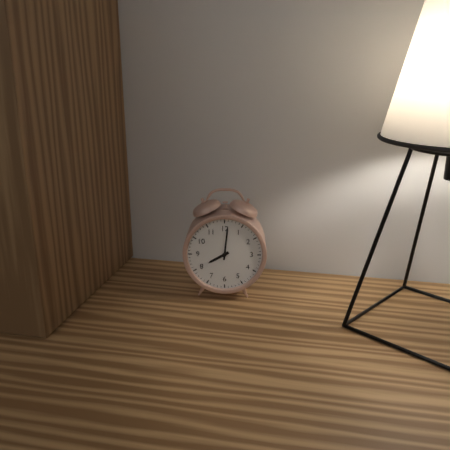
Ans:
8h01
